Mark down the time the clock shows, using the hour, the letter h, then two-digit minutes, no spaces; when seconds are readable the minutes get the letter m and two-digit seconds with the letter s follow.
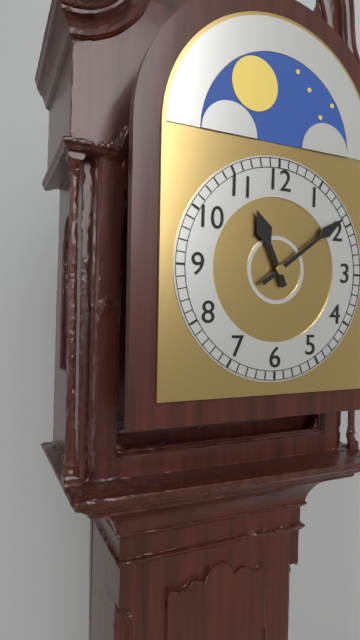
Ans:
11h09
